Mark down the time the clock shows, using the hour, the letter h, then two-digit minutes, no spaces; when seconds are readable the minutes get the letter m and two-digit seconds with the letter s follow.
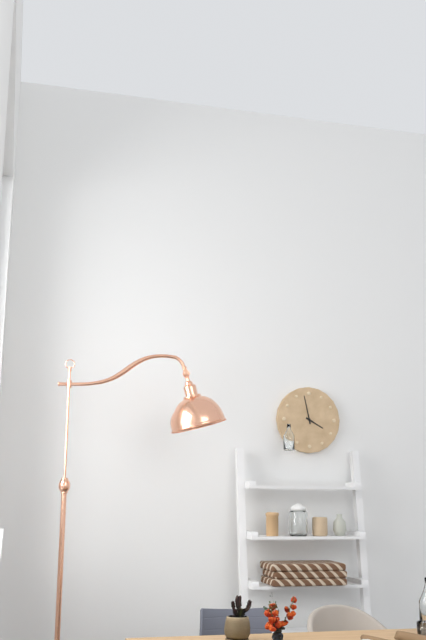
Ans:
3h58
